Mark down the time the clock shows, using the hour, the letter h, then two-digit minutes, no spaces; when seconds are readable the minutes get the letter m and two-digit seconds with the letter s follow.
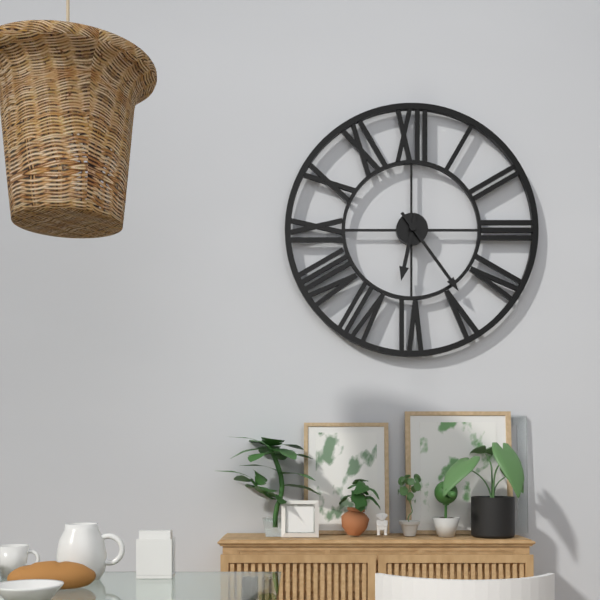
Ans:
6h24
